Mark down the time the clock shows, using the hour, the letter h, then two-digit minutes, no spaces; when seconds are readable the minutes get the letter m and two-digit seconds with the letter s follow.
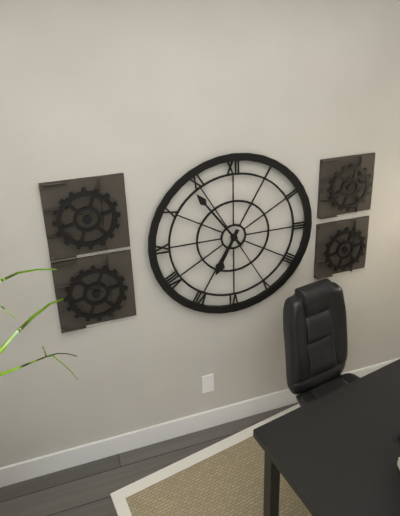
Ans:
6h54
